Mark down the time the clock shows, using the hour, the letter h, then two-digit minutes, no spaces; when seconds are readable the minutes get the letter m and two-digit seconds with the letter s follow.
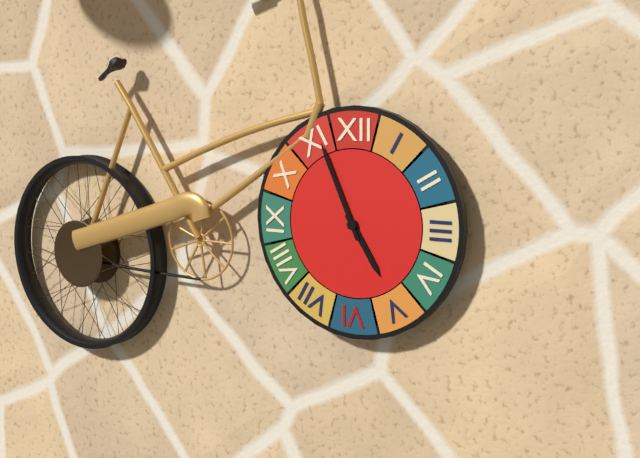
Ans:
4h56
